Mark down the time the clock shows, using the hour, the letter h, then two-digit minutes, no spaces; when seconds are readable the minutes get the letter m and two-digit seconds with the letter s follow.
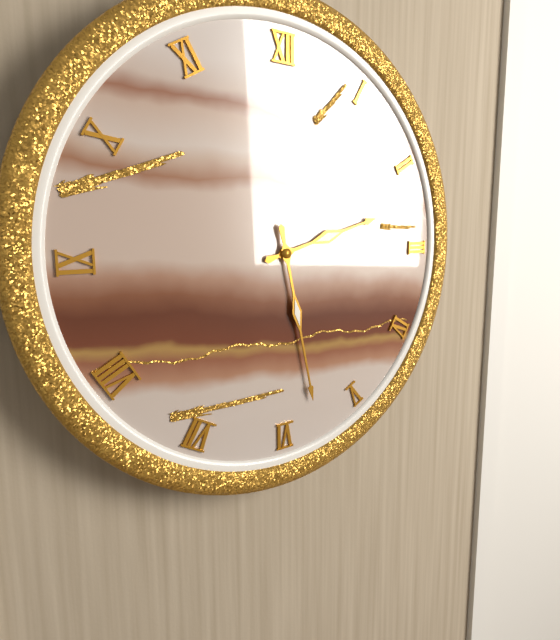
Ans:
2h28
